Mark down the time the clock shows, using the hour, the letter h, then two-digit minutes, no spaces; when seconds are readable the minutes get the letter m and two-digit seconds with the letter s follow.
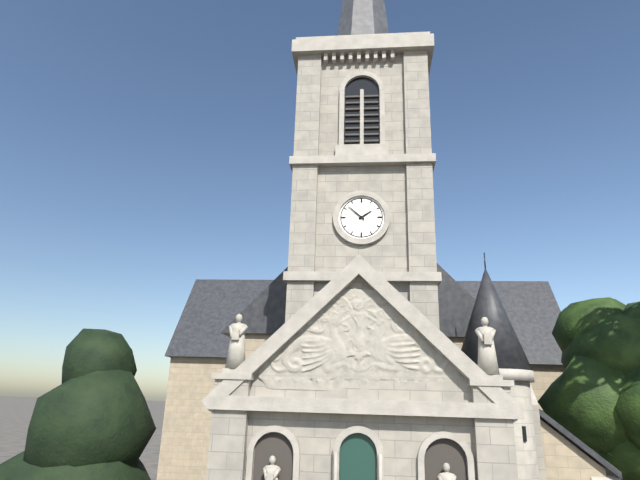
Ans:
1h52
